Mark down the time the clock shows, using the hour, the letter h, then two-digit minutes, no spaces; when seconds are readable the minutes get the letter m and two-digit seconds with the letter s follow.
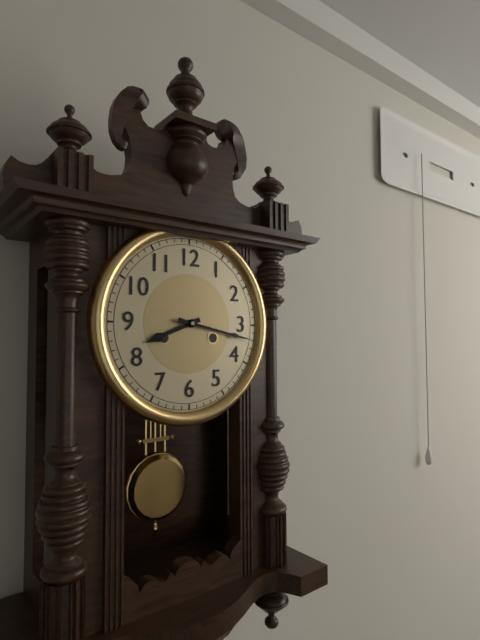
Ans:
8h17
